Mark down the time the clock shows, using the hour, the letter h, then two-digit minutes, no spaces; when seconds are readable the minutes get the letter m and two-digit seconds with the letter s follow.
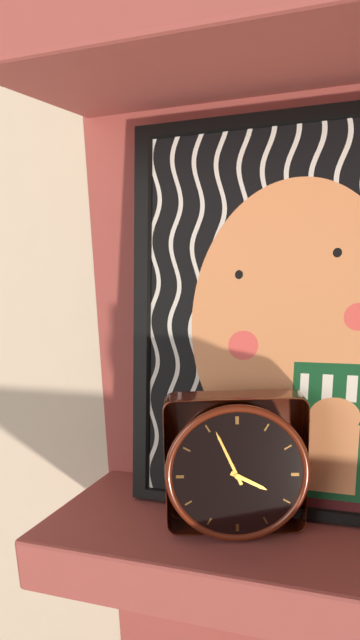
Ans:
3h56
